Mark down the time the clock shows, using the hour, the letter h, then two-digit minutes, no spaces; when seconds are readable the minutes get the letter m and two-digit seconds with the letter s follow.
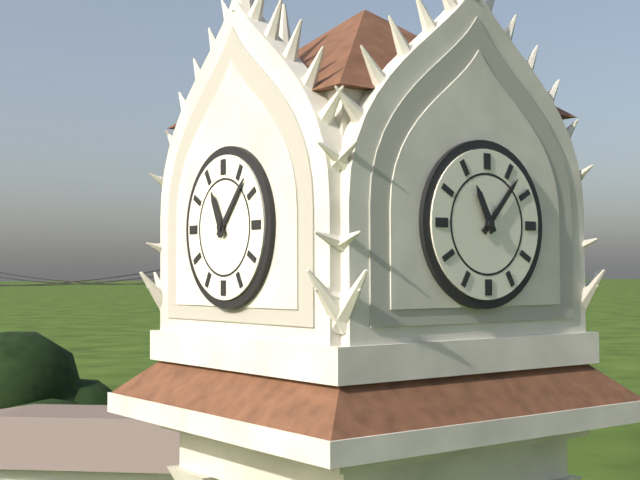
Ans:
11h07
